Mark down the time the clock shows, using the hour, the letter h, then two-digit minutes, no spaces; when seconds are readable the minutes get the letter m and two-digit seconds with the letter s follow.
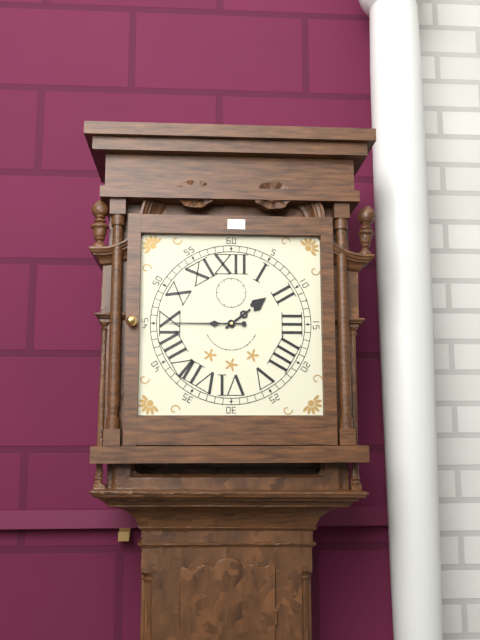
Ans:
1h45
